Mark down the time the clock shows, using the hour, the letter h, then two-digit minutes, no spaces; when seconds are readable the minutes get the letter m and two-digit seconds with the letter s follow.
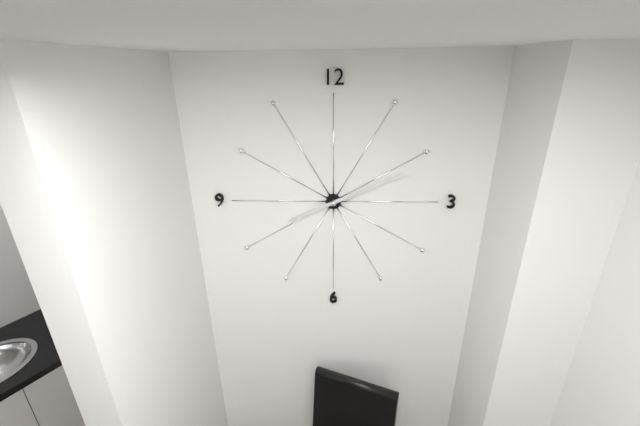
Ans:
8h11
